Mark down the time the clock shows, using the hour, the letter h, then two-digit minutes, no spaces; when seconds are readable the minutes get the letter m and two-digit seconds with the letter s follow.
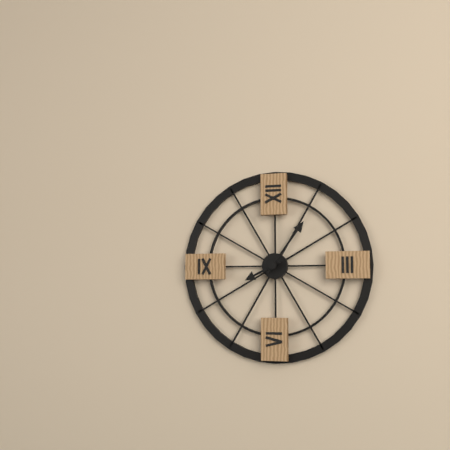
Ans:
8h06
